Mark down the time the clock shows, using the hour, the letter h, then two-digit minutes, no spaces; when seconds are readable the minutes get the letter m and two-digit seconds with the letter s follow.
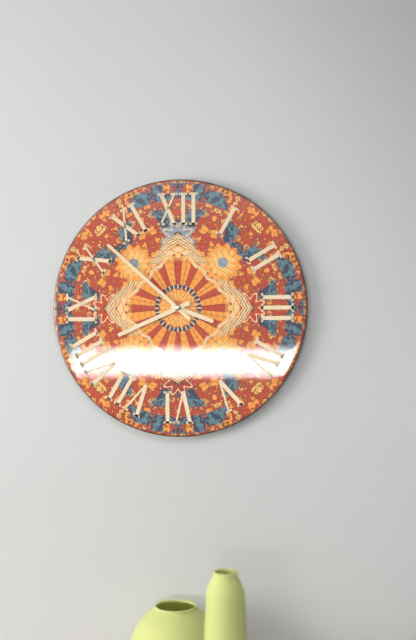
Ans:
3h41m52s
